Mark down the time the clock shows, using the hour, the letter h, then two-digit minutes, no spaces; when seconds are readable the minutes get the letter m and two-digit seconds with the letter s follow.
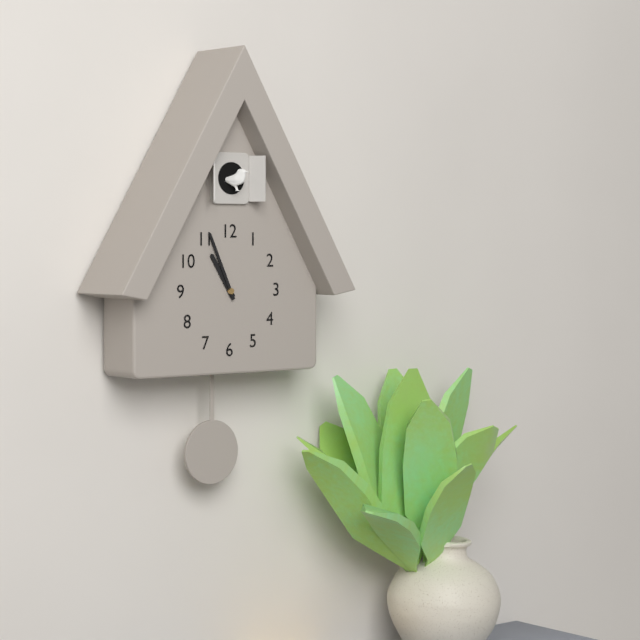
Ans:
10h56
